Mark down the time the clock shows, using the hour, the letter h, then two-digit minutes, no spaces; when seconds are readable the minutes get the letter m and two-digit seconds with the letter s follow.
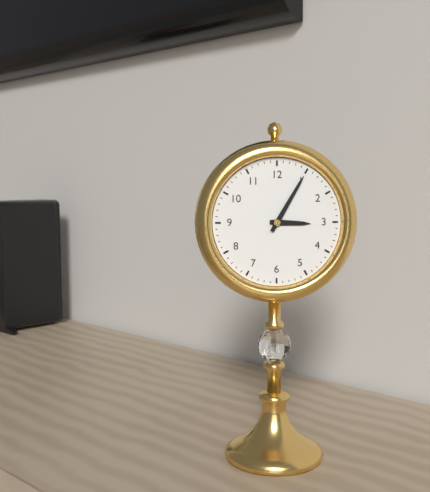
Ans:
3h05
